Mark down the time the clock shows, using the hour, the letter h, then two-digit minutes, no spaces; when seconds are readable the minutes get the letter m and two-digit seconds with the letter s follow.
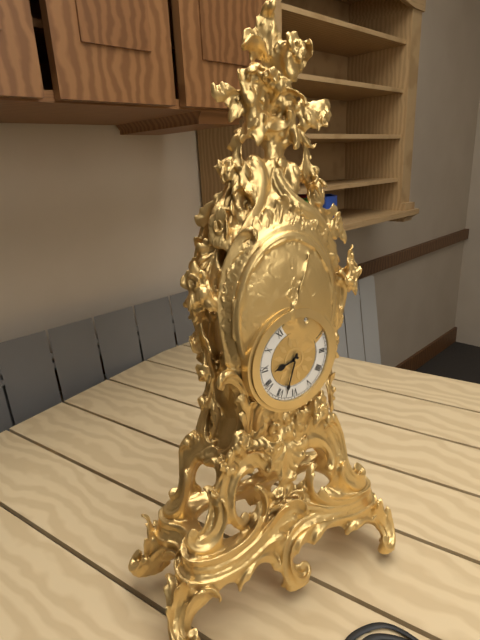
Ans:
8h33
